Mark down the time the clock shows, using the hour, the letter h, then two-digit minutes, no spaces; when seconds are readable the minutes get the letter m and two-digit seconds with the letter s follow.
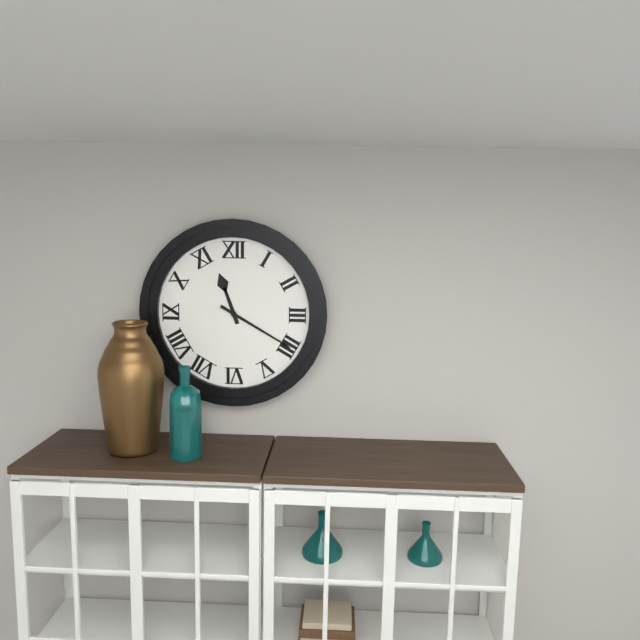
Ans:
11h20
